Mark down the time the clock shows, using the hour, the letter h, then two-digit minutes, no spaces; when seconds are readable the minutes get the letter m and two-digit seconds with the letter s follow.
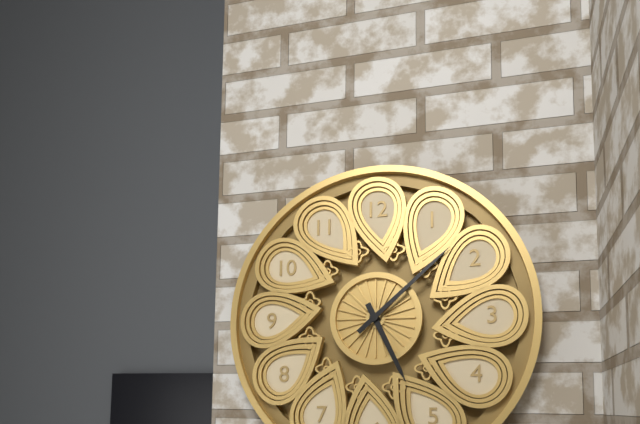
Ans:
5h08
